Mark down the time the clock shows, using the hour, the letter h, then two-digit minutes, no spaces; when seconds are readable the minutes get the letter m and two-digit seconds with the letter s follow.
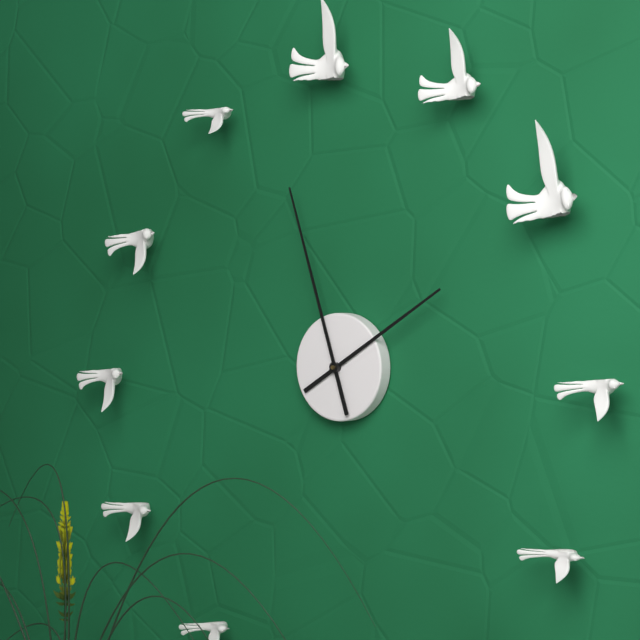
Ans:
1h57
